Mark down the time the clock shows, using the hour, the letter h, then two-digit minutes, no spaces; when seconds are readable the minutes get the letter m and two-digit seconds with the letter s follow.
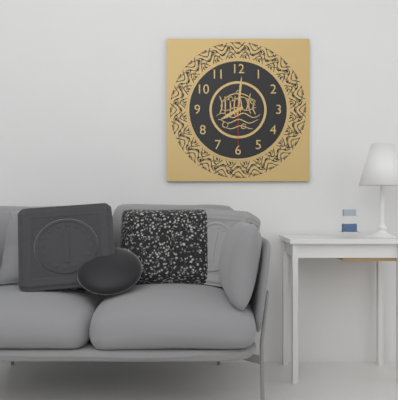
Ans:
8h01
